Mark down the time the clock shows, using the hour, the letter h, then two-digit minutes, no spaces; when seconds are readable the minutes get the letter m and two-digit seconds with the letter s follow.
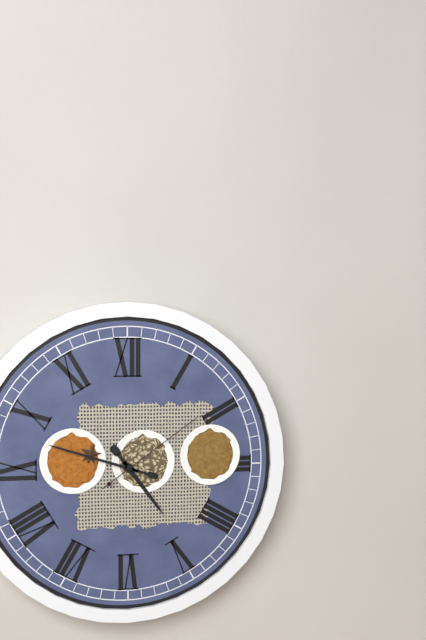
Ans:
4h48m09s
